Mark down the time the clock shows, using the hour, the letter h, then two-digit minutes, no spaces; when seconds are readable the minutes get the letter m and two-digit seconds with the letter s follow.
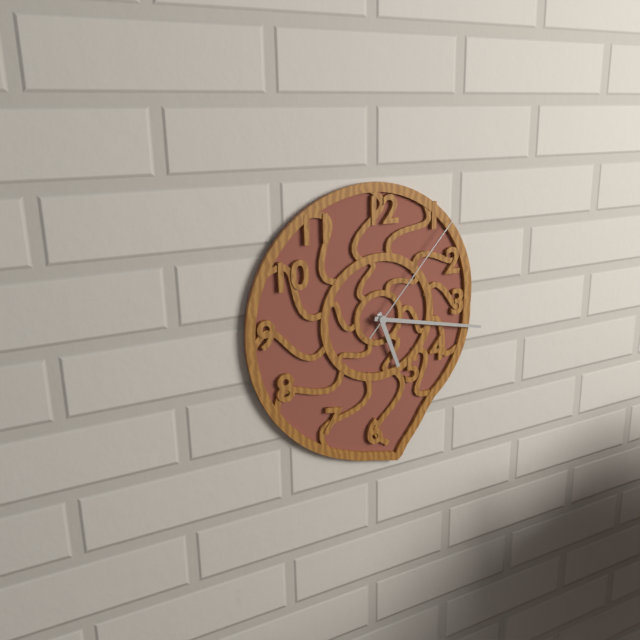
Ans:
5h17m07s
